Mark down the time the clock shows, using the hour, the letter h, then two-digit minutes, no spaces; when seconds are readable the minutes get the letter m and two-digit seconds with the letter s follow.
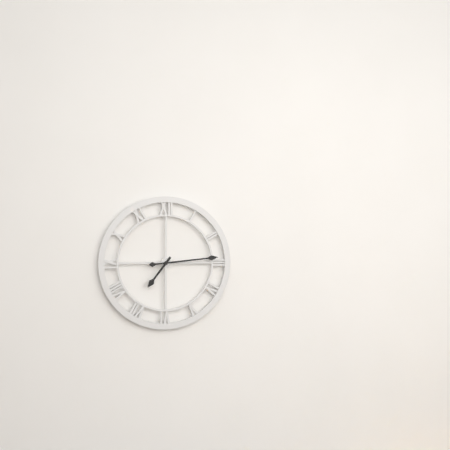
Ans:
7h14
